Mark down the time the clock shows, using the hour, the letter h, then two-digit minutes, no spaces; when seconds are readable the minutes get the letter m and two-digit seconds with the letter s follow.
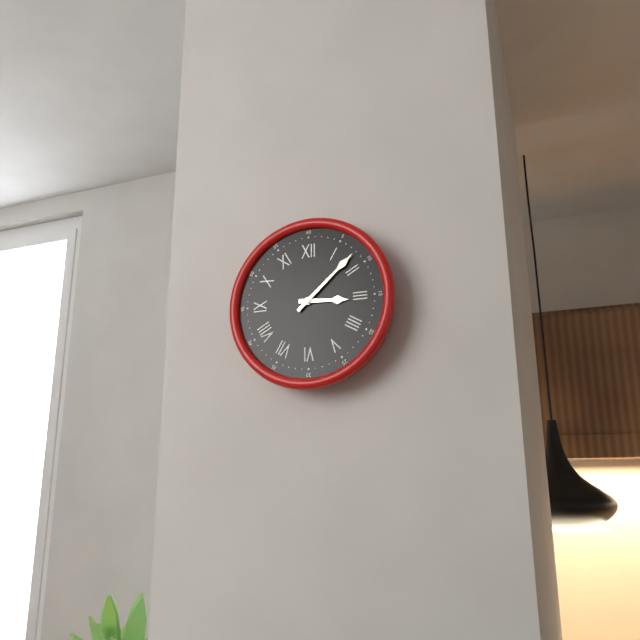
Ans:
3h08
